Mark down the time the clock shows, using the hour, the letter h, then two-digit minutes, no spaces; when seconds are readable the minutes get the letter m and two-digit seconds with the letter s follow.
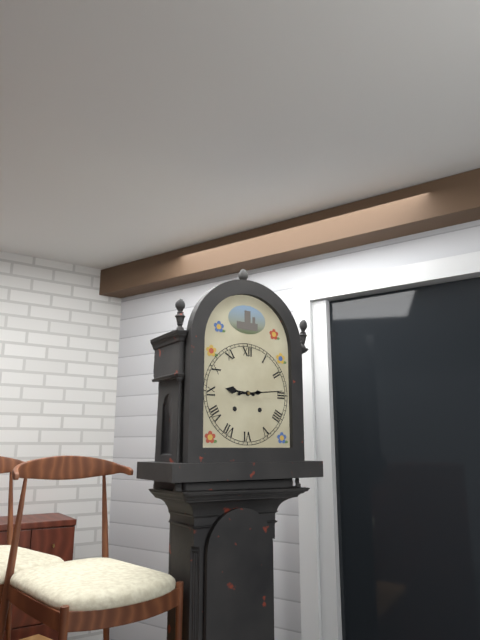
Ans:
9h14
